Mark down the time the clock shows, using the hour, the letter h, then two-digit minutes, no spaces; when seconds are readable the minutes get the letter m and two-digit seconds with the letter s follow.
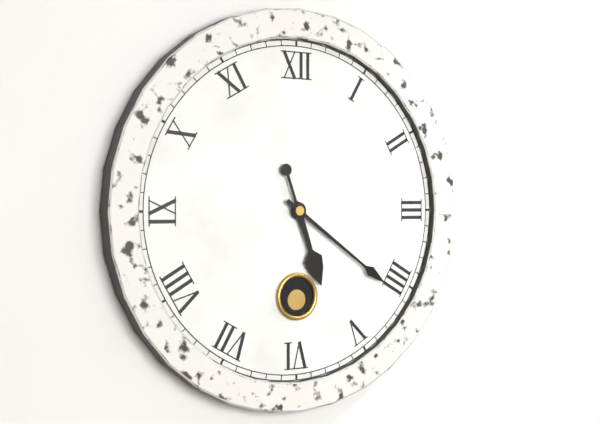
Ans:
5h21
